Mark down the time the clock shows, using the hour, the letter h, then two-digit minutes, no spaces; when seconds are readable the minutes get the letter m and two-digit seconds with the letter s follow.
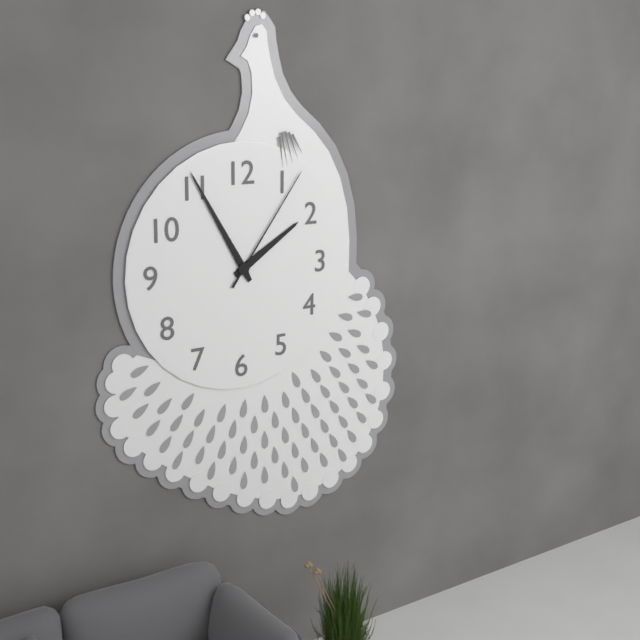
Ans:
1h55m06s
